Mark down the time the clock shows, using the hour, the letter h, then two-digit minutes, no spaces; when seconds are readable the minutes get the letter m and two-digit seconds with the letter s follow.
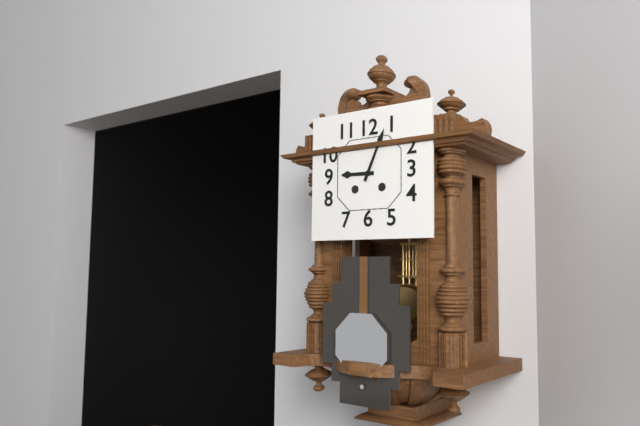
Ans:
9h04
